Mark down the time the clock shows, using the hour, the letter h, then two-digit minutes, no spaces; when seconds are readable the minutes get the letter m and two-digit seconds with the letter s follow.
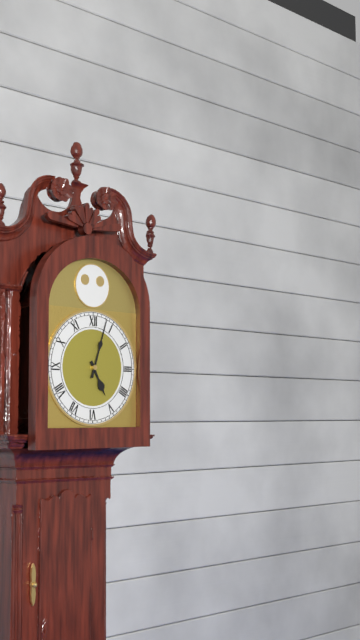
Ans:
5h03
